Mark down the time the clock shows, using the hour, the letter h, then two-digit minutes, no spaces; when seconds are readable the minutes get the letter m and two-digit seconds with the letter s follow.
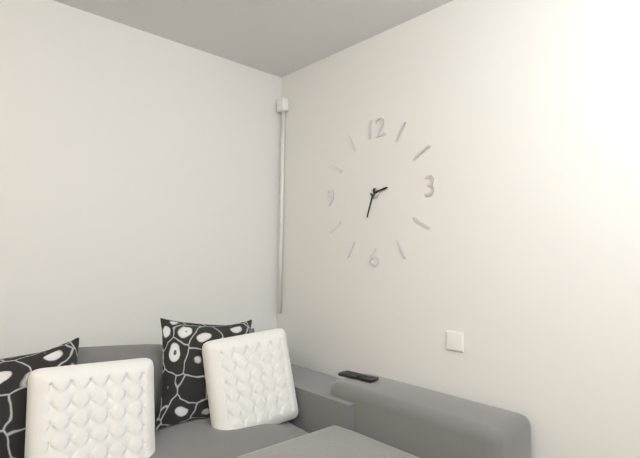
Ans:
2h33
